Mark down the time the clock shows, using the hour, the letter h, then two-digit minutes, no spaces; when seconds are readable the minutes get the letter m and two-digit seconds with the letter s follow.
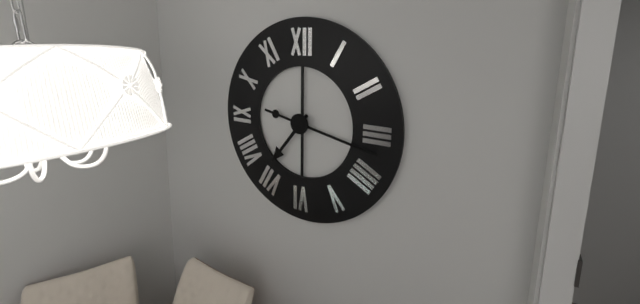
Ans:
7h17
